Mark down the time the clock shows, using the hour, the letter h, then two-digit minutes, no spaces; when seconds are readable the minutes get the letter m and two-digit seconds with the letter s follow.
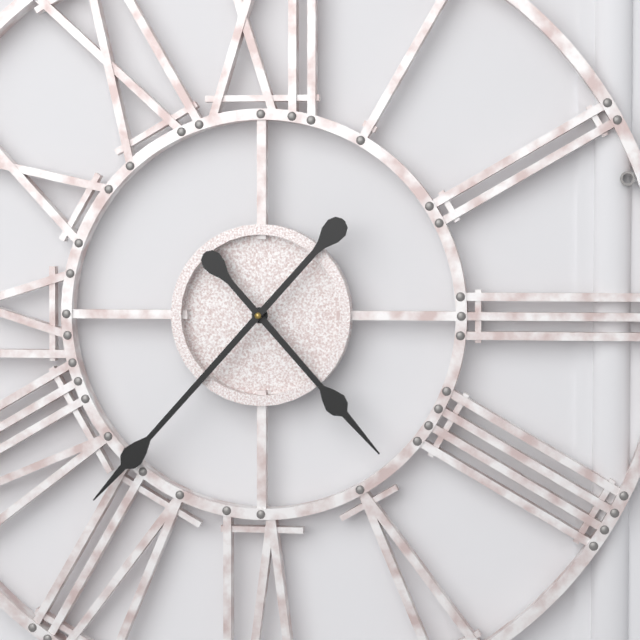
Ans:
4h37
